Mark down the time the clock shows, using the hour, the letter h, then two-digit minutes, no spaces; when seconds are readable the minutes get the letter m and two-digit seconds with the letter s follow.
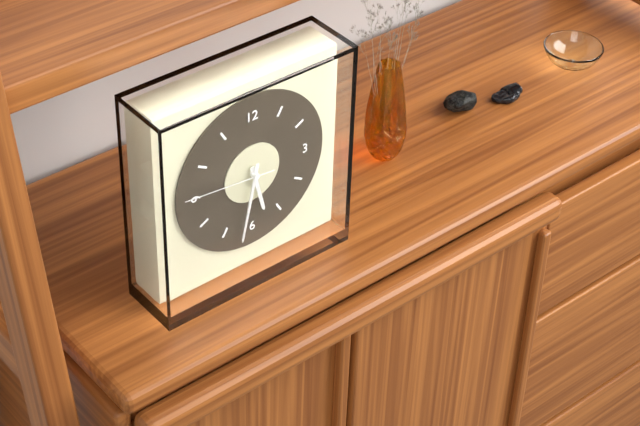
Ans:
5h32m46s
